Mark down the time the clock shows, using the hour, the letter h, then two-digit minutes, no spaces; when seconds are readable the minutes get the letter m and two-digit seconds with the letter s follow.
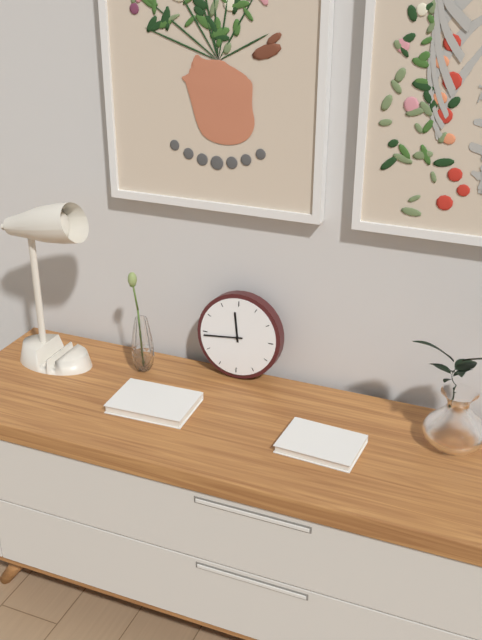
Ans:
11h44
